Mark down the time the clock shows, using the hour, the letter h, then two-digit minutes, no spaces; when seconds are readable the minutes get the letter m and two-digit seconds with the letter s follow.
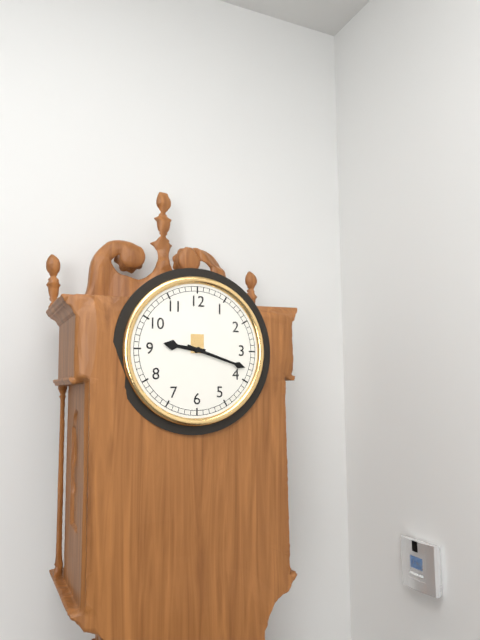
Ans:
9h18
